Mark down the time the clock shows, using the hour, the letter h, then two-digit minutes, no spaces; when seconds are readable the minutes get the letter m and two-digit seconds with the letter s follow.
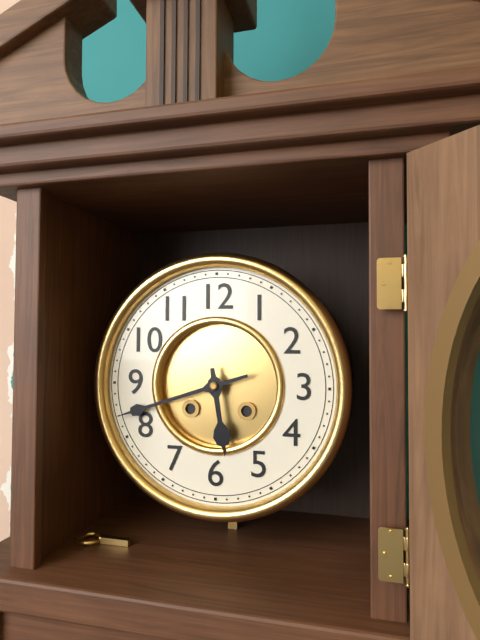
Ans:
5h42
